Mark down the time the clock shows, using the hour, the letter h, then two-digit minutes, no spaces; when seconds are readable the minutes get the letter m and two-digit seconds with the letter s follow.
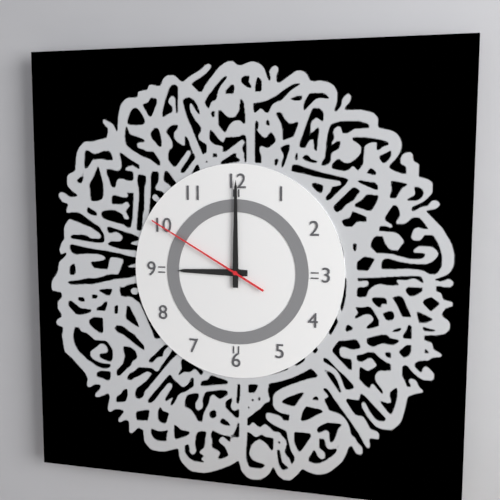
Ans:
9h00m50s
